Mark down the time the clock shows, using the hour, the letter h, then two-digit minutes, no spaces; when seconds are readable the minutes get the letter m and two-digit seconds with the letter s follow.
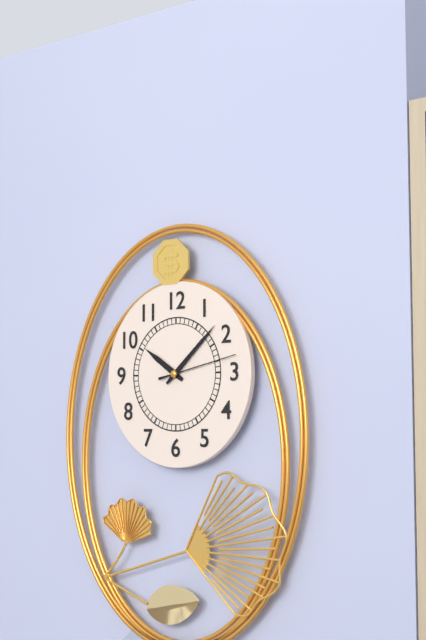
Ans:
10h08m13s
